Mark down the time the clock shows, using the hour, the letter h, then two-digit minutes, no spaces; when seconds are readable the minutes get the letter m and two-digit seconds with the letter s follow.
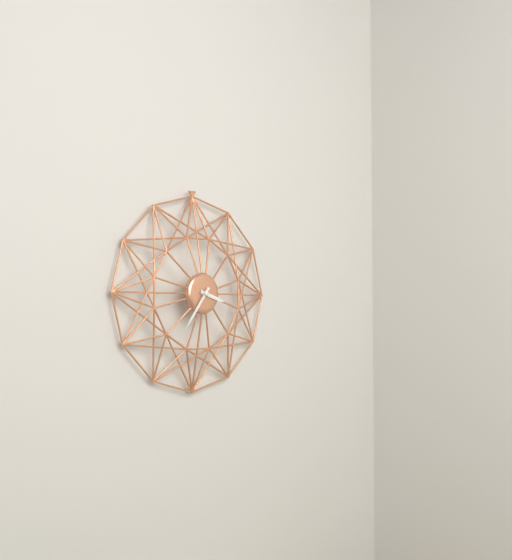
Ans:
3h36
